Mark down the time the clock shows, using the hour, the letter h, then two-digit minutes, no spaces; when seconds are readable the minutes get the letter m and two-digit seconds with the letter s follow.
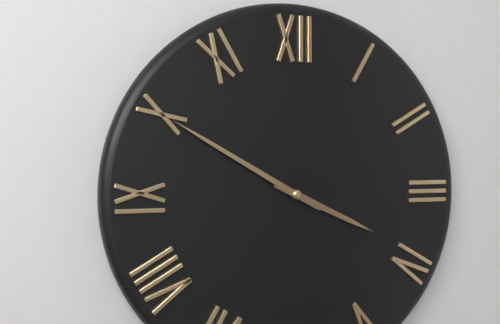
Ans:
3h50
